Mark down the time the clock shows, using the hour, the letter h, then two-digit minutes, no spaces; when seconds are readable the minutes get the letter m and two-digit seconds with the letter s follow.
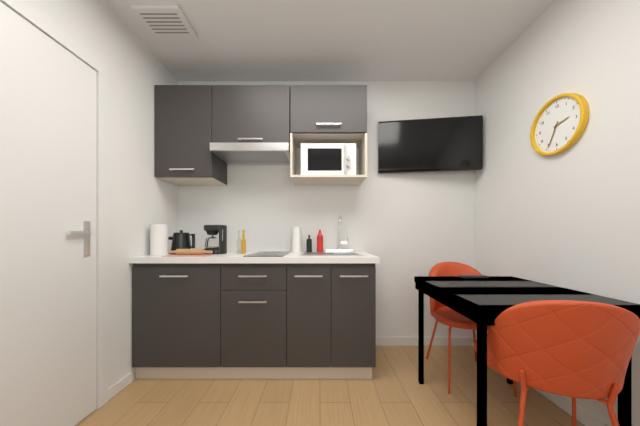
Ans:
2h34
